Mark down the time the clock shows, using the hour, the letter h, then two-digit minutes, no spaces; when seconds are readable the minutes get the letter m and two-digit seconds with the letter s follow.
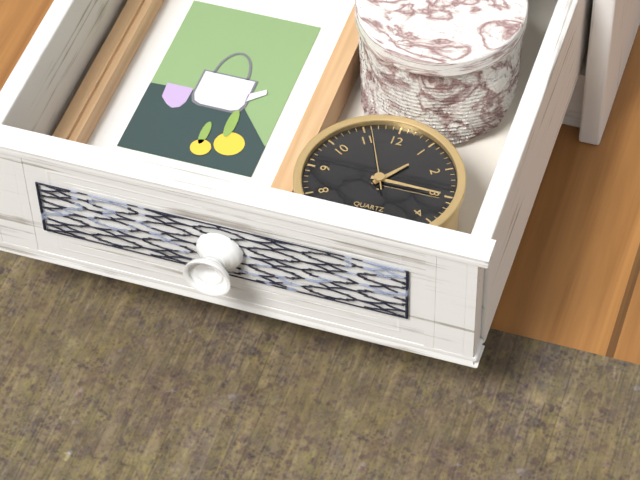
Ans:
1h15m56s
